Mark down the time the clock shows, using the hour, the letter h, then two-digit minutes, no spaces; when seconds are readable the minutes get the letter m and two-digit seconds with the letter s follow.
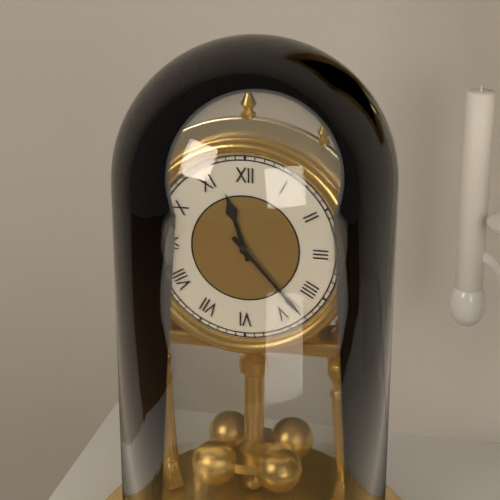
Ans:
11h23
